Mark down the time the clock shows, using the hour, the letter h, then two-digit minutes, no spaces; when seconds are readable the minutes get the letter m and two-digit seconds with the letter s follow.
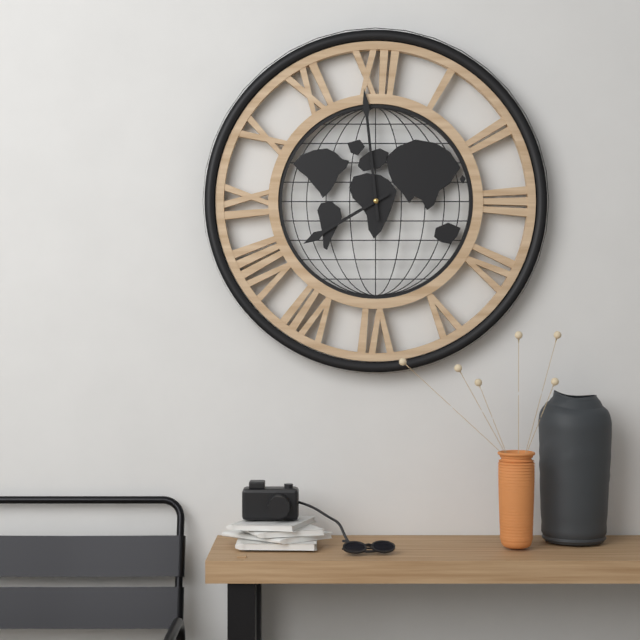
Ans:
7h59
